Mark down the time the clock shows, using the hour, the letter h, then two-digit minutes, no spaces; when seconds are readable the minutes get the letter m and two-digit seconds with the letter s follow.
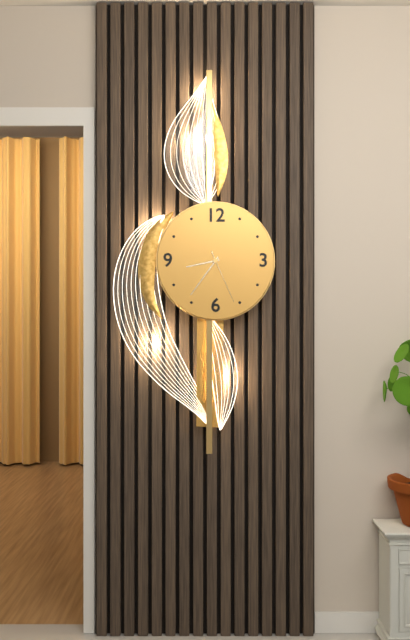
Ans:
8h36m26s
